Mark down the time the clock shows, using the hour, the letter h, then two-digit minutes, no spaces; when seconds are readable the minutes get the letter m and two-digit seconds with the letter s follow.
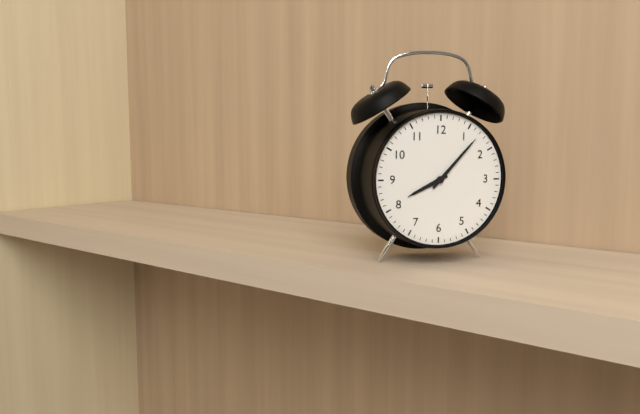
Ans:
8h07
